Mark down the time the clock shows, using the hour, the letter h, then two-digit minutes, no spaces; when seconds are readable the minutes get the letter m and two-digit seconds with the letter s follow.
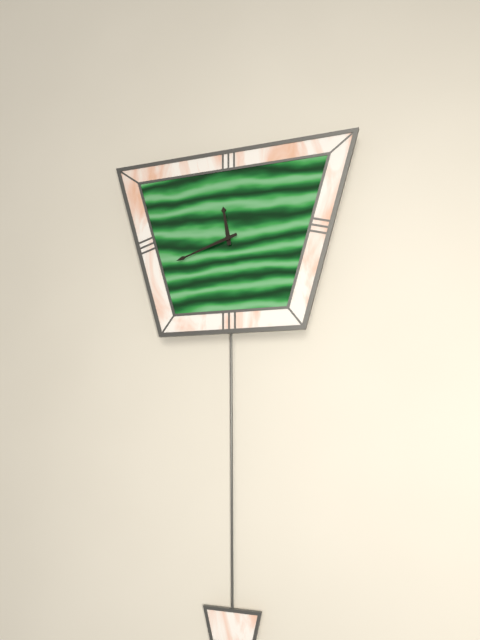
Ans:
11h42
